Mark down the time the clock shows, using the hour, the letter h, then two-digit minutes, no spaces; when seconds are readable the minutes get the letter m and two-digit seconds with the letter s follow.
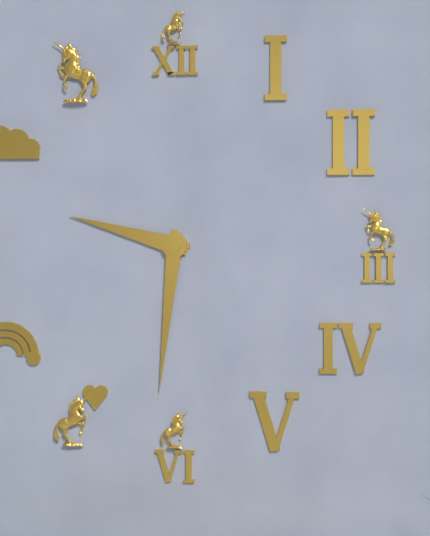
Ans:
9h31
